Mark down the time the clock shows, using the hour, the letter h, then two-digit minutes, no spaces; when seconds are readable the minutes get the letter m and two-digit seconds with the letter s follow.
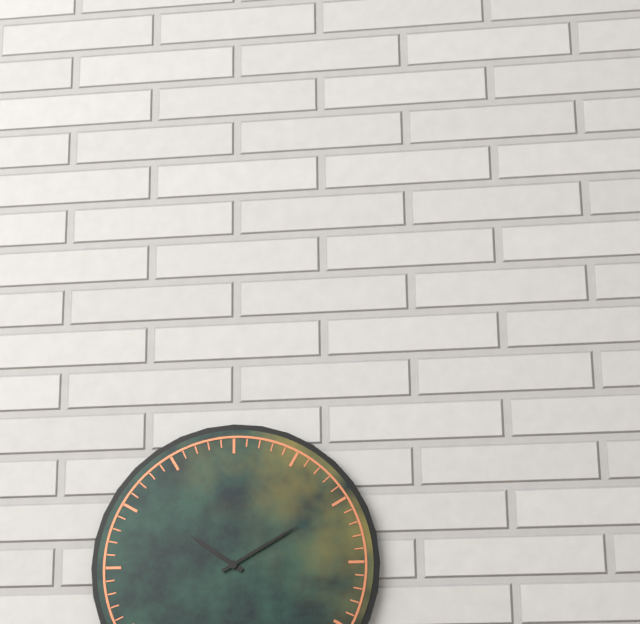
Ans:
10h10
